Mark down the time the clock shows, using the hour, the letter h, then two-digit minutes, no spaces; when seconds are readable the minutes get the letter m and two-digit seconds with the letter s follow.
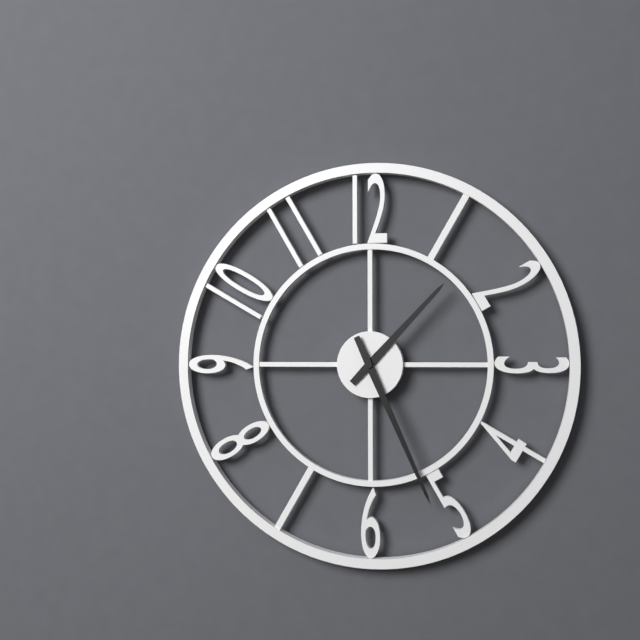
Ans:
1h26
